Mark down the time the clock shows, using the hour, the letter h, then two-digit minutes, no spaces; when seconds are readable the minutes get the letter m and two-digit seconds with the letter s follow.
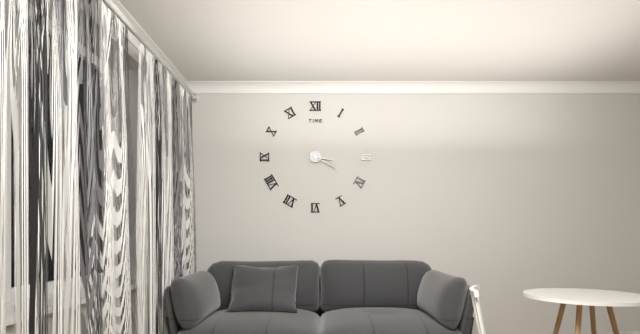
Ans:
3h20
